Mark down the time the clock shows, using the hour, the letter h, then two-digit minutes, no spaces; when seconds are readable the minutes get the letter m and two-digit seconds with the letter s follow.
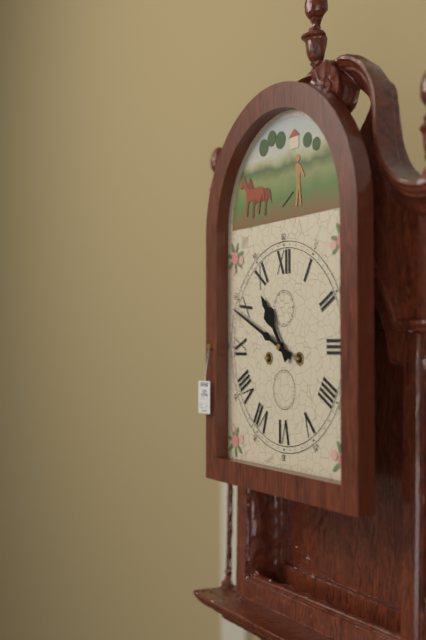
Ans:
10h49
